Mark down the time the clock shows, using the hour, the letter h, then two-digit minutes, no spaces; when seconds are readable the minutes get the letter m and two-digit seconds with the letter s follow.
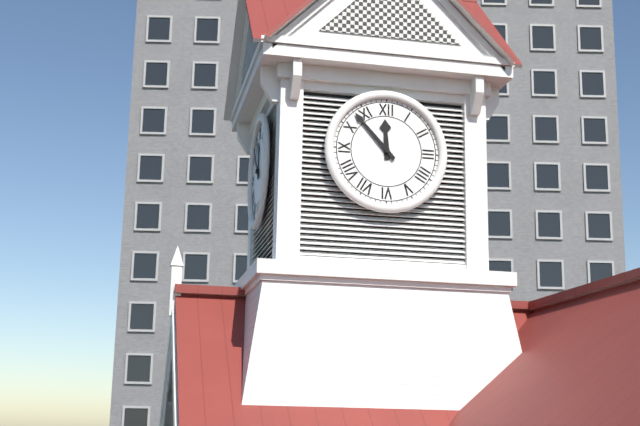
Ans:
11h53
